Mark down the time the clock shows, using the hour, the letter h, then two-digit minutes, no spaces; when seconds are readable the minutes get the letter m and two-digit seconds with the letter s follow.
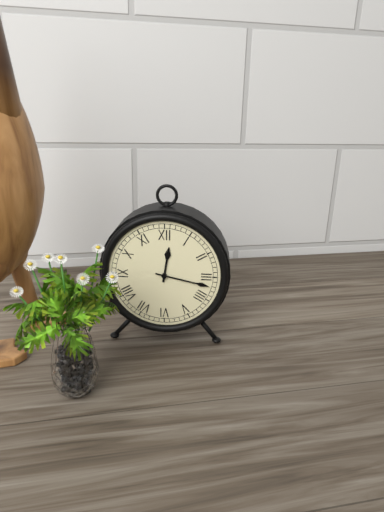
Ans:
12h17
